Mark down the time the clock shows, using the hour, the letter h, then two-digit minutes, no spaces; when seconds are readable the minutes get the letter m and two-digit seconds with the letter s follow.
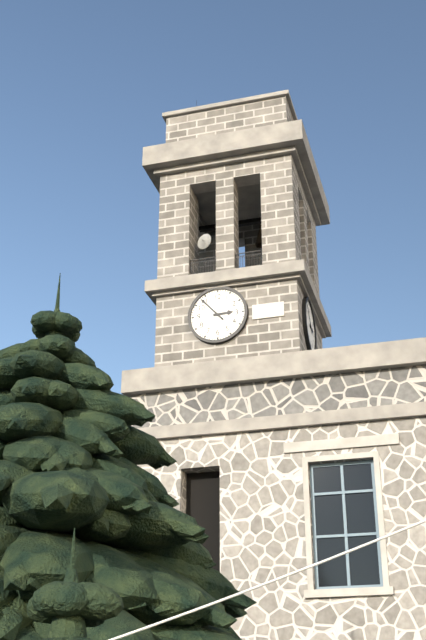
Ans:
2h53
